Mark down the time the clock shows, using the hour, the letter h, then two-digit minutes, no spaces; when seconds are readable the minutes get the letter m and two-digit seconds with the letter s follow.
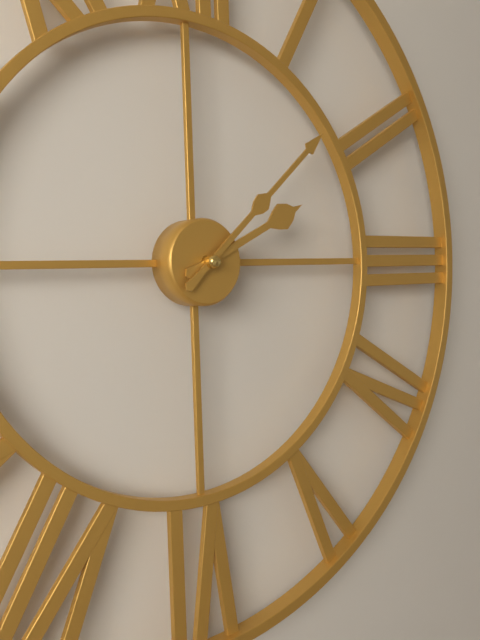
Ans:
2h08
